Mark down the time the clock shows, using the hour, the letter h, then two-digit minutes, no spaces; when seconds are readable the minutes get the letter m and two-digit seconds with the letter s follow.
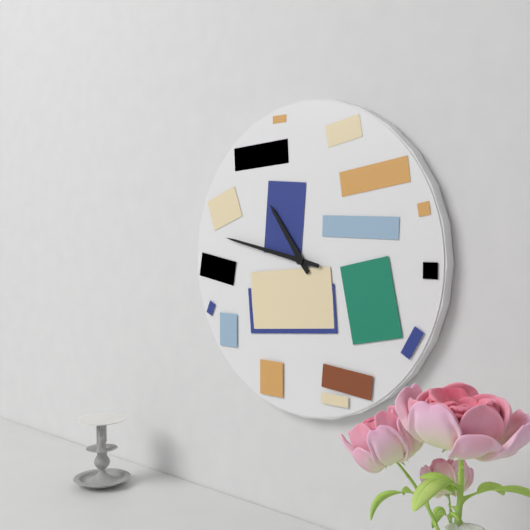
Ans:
10h47
